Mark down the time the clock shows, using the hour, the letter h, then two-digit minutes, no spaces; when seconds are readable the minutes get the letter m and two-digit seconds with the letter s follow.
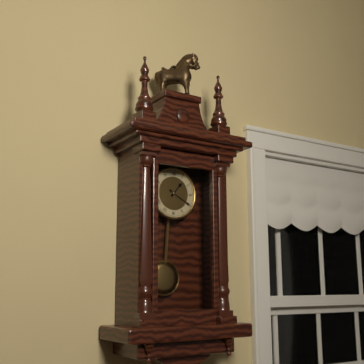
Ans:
1h20
